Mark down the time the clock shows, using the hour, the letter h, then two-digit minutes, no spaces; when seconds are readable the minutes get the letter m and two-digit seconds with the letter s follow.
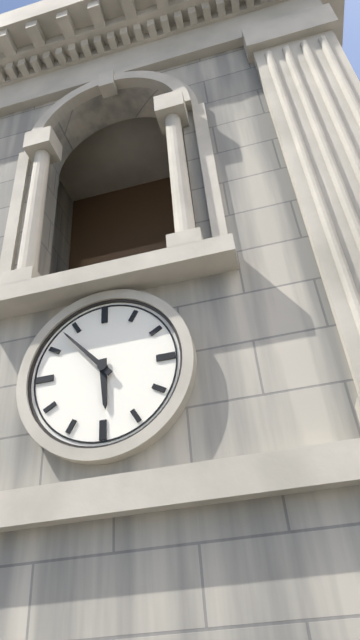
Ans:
5h53
